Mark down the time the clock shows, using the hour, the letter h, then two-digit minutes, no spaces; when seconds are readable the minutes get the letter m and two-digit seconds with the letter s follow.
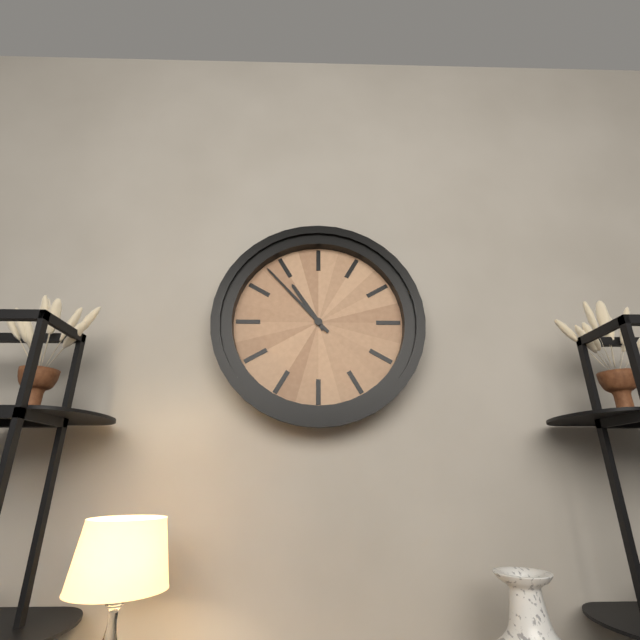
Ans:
10h53
